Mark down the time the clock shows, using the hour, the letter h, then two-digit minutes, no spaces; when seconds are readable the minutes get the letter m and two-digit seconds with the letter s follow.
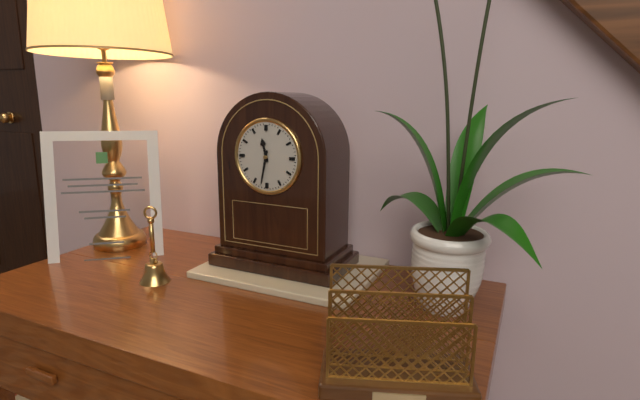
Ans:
11h32
